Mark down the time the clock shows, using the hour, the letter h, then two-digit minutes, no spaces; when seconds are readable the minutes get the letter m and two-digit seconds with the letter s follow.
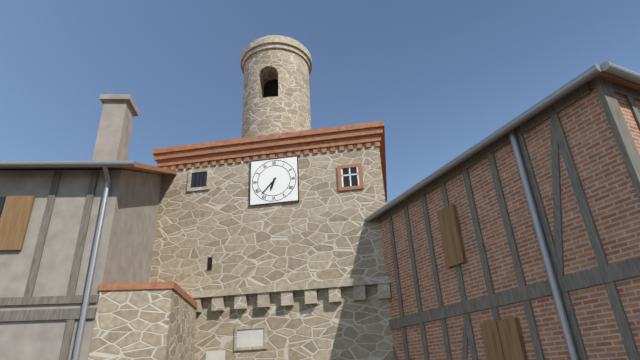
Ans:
6h37
